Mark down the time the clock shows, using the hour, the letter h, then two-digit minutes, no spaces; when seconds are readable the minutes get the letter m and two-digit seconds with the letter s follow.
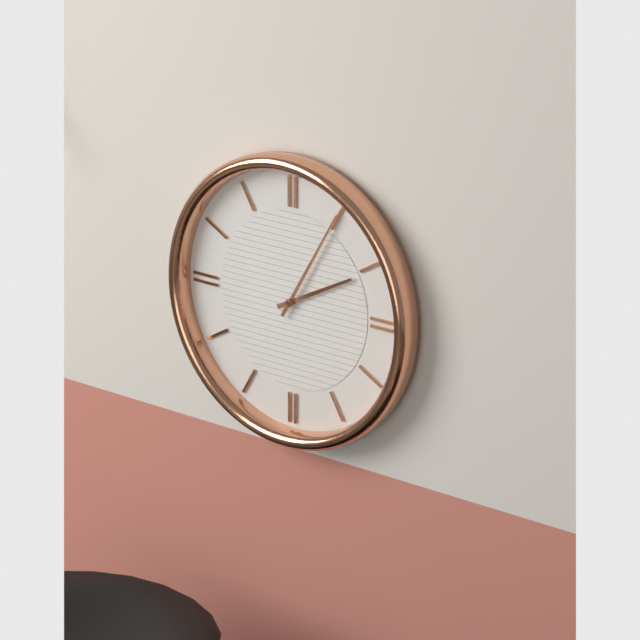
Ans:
2h05
